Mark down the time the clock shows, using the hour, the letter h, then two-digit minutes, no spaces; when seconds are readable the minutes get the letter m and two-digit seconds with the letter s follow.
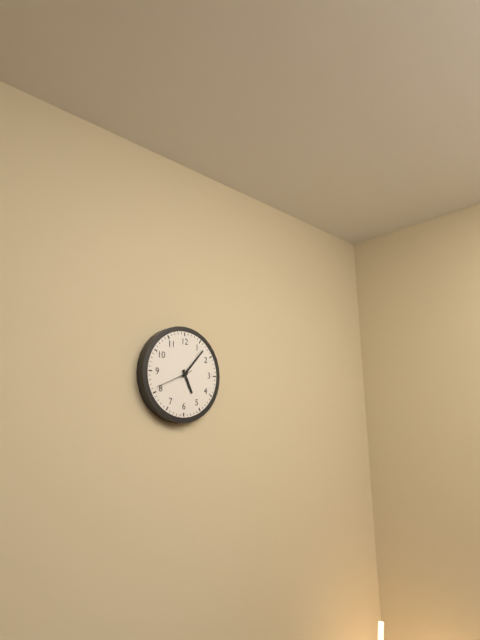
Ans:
5h07
